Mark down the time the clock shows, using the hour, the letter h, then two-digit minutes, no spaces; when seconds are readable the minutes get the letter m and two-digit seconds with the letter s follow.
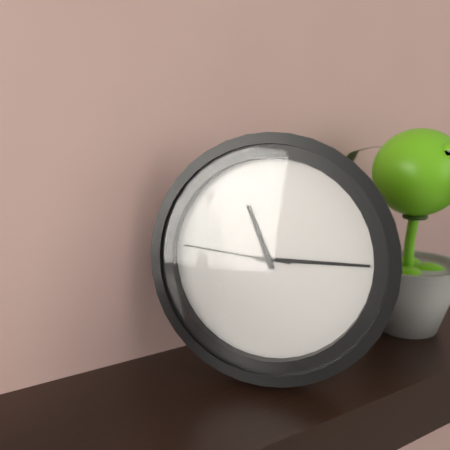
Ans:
11h15m46s
